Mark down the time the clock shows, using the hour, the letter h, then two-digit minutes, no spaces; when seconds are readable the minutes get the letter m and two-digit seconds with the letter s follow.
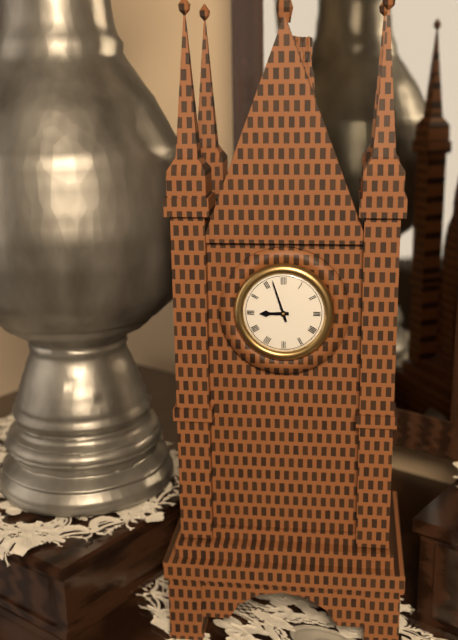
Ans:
8h57
